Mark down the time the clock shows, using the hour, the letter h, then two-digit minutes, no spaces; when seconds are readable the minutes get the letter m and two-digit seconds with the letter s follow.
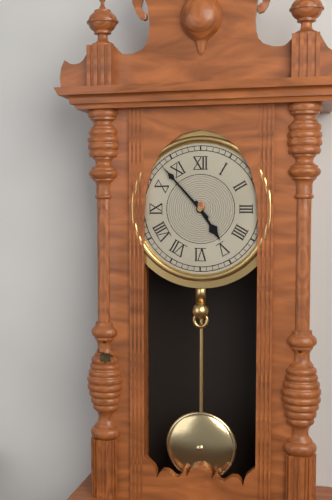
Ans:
4h53
